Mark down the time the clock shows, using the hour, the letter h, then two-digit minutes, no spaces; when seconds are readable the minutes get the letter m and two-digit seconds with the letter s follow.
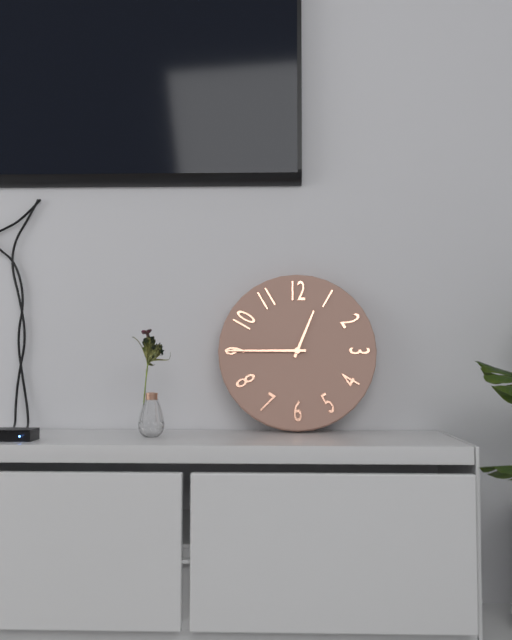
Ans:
12h45
